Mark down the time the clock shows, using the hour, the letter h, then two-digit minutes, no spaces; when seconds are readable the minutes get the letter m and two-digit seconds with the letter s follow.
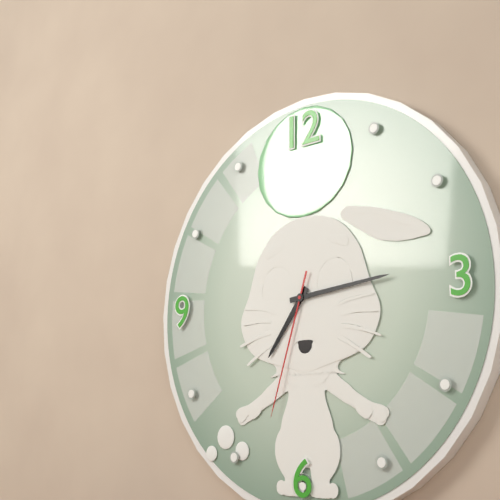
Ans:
7h14m33s
